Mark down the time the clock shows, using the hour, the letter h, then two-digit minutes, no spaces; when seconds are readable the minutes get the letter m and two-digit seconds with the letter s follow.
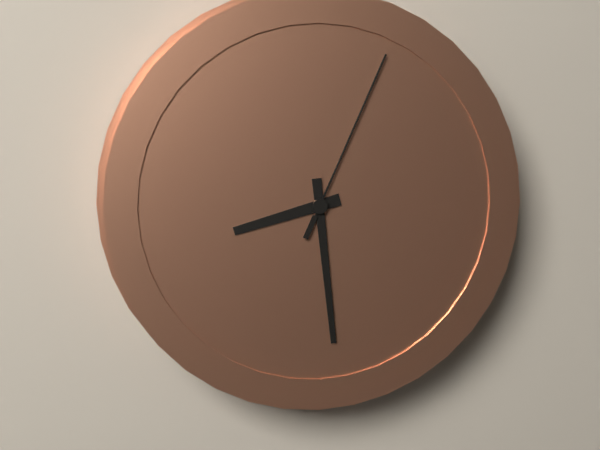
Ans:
8h29m04s
